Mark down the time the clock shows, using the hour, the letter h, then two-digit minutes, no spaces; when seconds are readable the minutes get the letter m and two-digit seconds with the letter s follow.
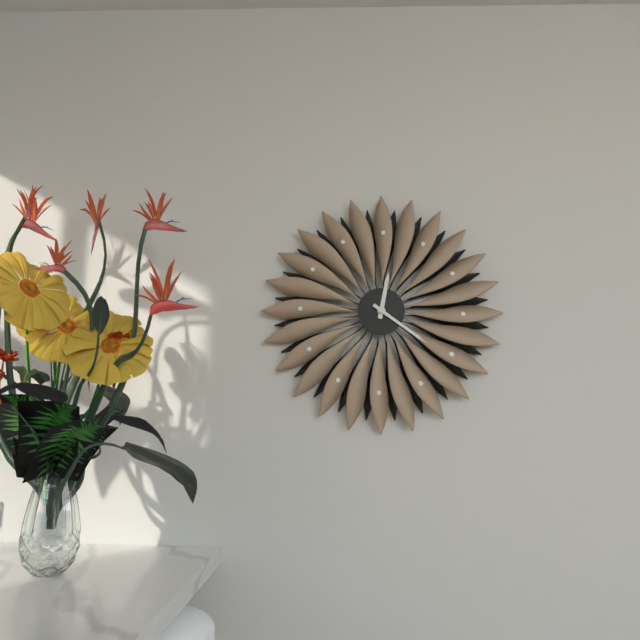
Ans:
12h21
